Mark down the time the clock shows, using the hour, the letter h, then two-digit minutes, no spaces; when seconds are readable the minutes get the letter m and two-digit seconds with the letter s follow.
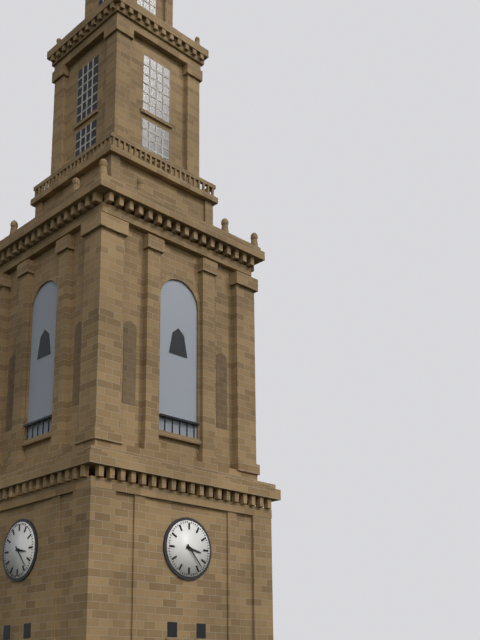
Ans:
3h23
